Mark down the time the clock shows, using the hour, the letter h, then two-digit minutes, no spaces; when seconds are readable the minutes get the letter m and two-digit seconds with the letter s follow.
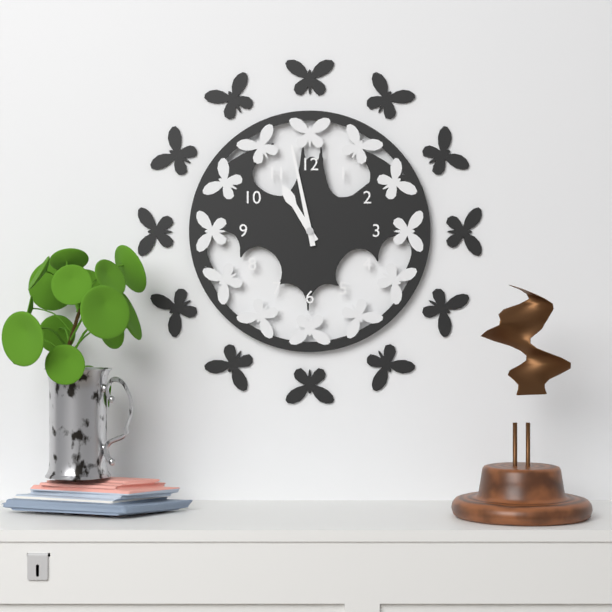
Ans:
10h58
